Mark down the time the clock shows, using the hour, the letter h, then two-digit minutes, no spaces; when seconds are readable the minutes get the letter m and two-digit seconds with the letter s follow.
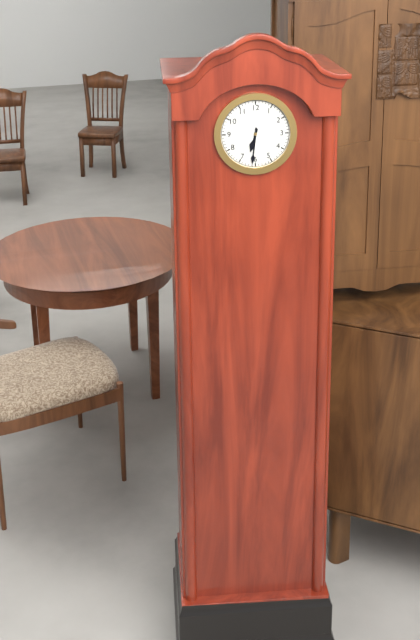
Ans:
6h31
